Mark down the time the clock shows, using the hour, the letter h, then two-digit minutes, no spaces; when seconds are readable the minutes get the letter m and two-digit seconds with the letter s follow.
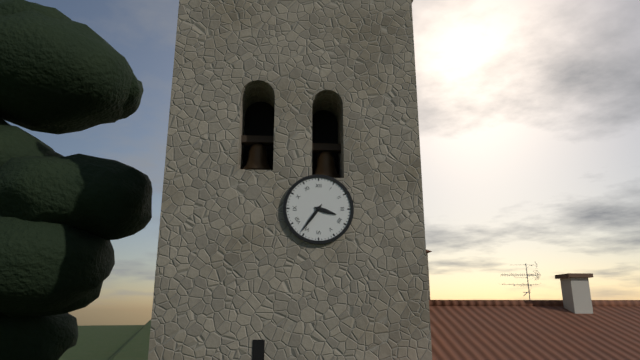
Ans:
3h36
